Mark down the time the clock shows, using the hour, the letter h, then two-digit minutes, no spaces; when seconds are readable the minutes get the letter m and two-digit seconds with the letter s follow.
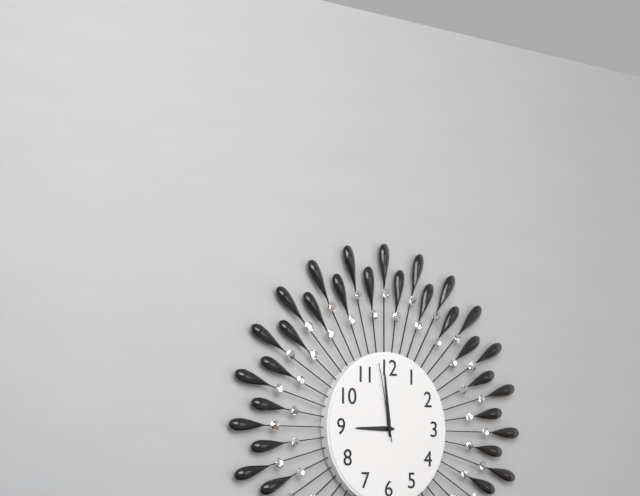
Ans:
8h59m58s
